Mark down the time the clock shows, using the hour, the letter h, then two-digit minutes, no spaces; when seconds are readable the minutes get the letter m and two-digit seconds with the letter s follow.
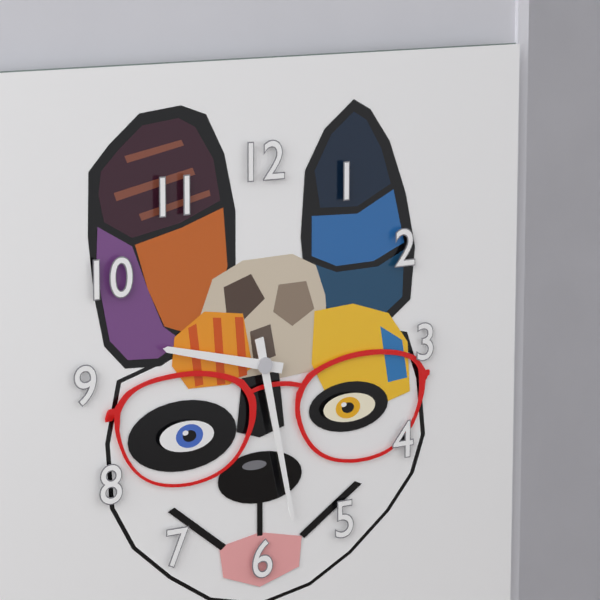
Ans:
9h28
